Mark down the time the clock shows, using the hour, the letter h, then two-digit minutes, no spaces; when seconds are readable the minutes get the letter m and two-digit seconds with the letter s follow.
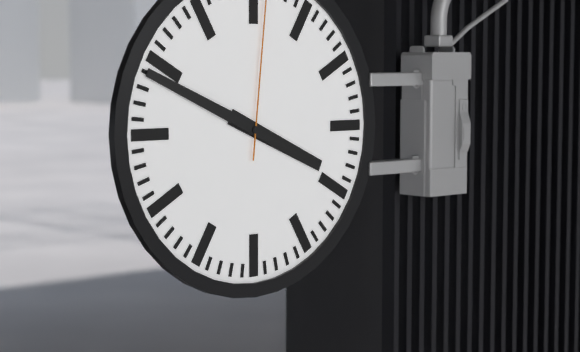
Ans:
3h49
